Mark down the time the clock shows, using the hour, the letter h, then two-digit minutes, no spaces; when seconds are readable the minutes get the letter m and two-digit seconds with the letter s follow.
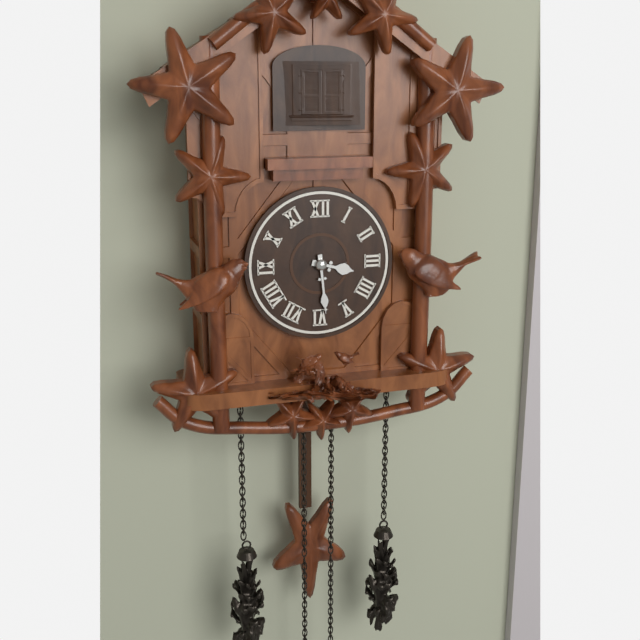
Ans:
3h29
